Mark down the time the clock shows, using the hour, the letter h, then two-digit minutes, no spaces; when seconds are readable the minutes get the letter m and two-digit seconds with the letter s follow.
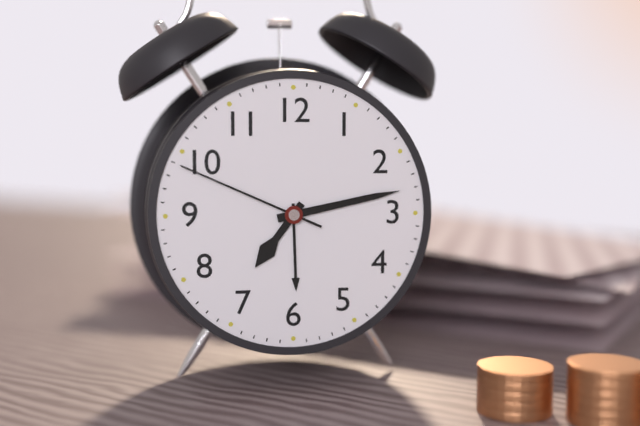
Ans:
7h13m49s
